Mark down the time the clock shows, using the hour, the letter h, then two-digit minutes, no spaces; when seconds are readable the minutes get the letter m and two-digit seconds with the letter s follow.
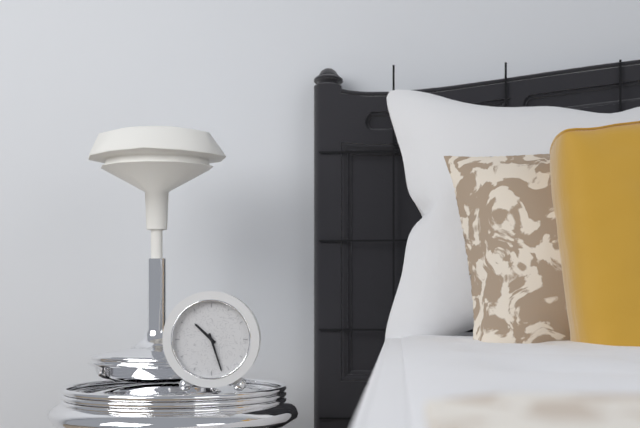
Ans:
10h27
